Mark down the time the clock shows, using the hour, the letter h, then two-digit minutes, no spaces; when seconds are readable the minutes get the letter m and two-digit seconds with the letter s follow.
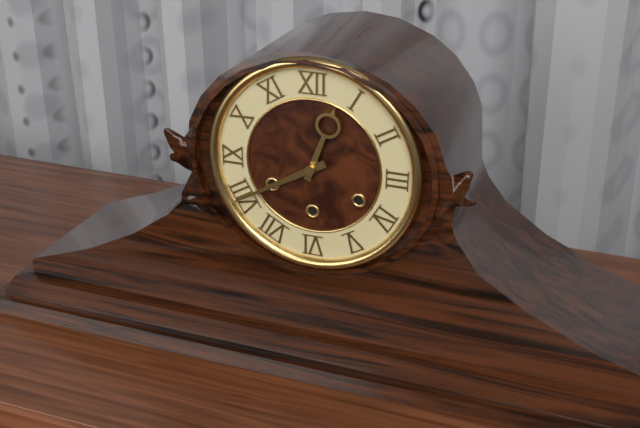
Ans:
12h40
